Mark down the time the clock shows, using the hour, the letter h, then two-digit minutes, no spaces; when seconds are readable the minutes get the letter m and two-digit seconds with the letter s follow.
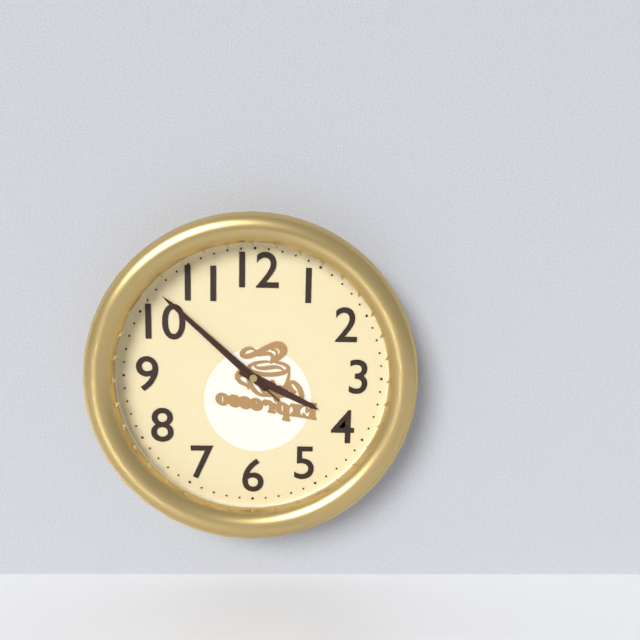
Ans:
3h52m52s
